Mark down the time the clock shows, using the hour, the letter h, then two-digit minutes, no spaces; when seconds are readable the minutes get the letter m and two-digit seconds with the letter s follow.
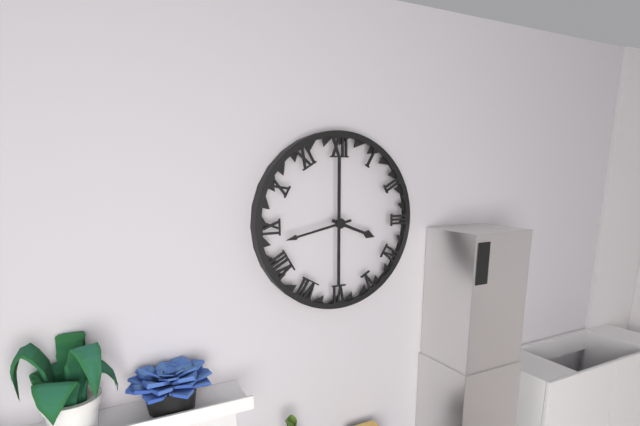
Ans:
3h43
